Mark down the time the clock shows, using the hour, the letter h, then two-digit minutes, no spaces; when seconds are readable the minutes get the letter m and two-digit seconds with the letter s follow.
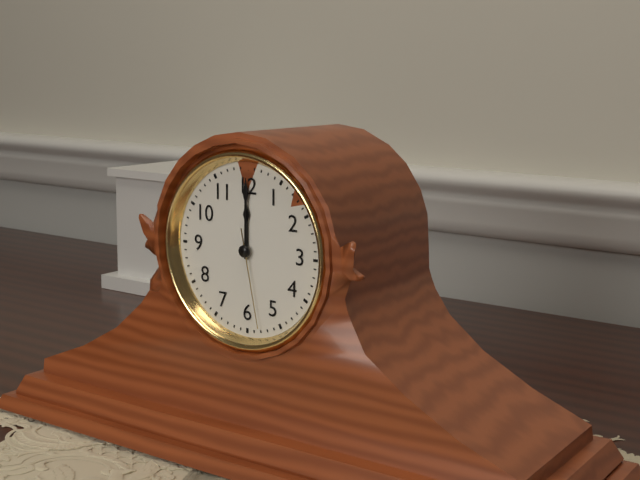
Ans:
12h00m28s
